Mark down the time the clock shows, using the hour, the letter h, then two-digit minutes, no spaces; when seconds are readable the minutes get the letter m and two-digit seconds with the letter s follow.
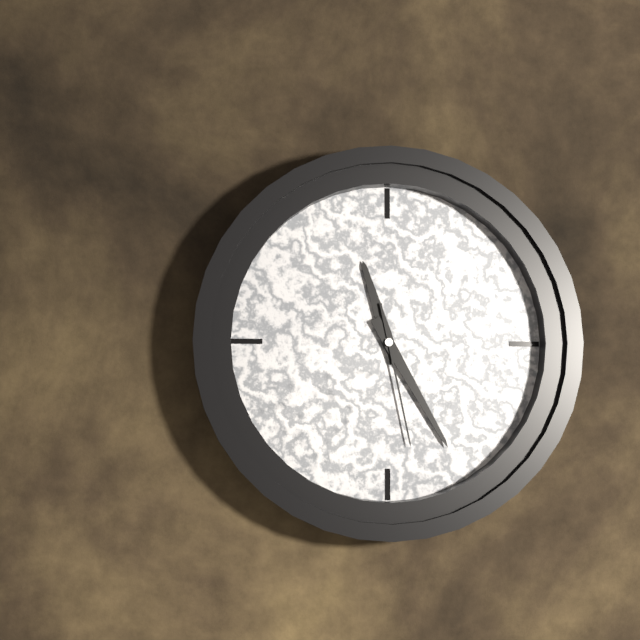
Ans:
11h25m28s
